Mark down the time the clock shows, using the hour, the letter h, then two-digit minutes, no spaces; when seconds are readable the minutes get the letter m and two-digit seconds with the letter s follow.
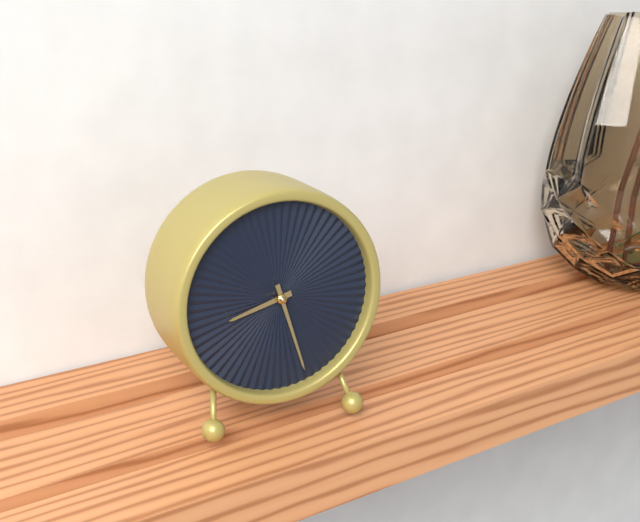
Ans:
8h27
